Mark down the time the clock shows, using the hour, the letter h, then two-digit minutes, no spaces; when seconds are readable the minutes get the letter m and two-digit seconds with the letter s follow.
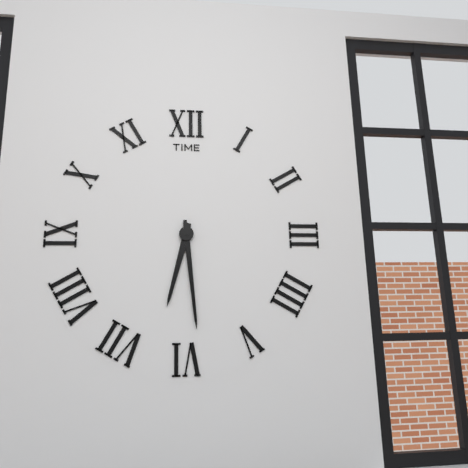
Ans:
6h29
